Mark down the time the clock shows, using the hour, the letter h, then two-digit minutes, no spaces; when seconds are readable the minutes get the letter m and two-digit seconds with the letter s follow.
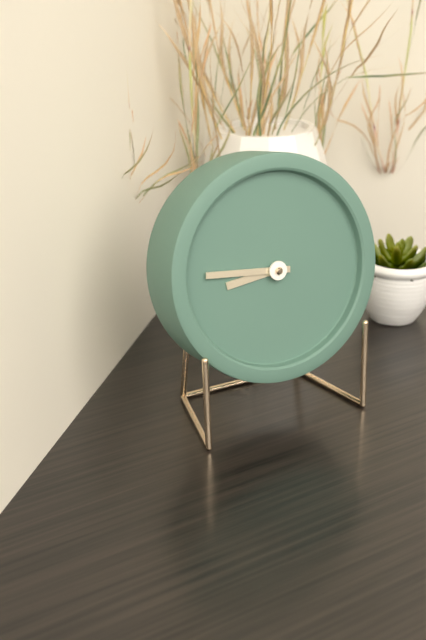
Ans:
8h46
